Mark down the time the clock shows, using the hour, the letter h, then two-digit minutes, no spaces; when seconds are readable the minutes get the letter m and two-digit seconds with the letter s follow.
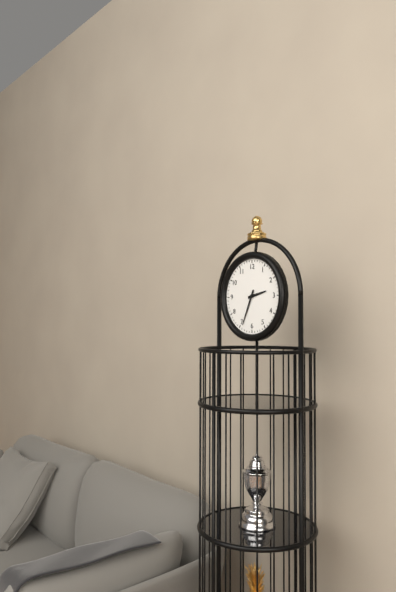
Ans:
2h34
